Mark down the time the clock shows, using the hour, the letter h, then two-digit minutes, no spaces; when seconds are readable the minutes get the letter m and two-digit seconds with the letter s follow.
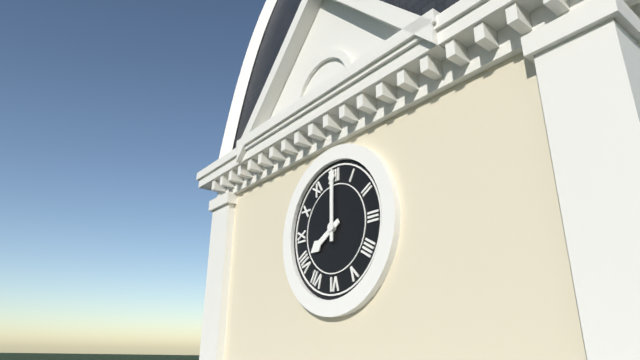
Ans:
8h00
